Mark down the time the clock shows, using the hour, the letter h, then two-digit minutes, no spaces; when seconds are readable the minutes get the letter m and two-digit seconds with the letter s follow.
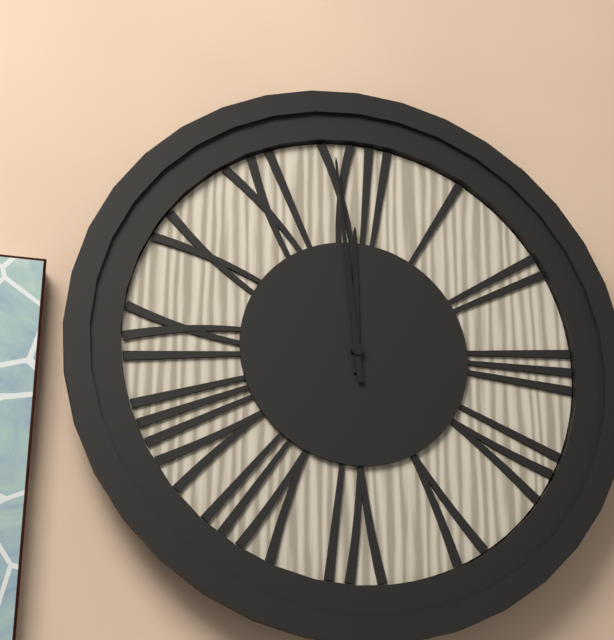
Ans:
11h59
